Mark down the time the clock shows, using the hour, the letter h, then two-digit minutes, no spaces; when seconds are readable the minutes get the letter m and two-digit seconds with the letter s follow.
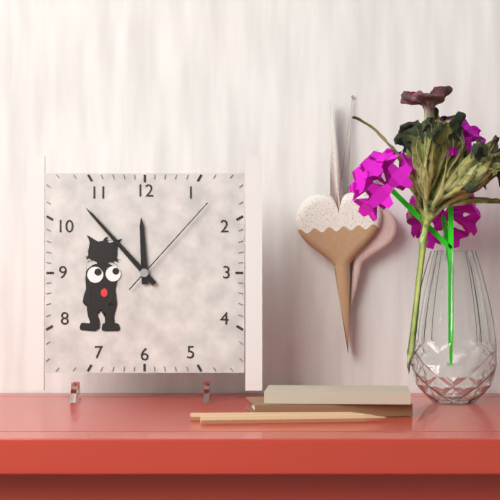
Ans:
11h53m07s
